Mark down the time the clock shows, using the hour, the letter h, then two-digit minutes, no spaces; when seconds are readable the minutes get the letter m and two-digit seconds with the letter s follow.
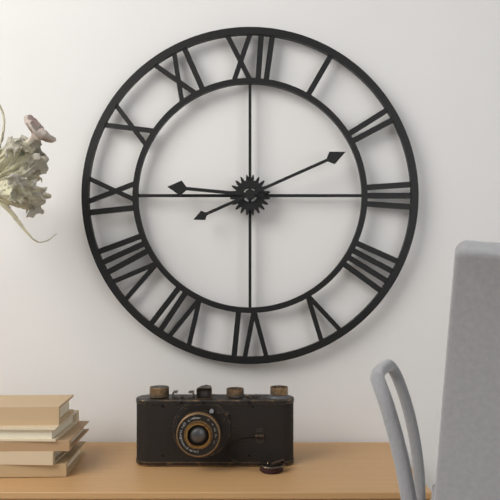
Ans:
9h11
